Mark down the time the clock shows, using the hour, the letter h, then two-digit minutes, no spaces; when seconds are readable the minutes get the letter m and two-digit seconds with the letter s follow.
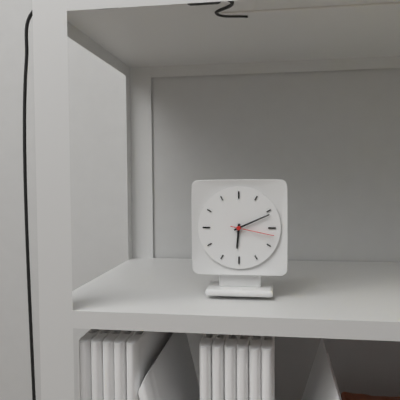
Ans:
6h11
